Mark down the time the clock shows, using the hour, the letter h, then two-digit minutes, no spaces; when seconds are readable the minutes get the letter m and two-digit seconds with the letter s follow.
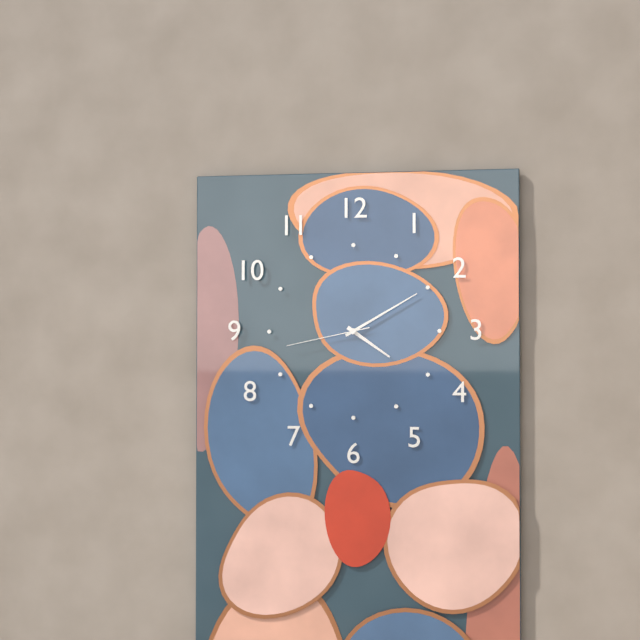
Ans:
4h10m43s
